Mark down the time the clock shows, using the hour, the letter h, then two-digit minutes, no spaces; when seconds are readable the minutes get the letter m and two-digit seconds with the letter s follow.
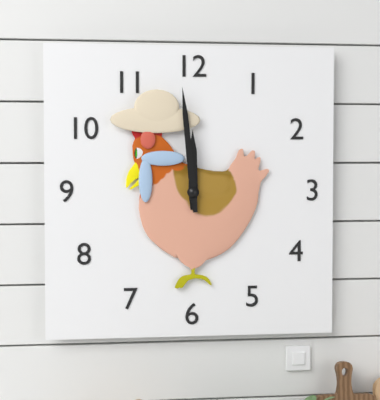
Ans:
11h59
